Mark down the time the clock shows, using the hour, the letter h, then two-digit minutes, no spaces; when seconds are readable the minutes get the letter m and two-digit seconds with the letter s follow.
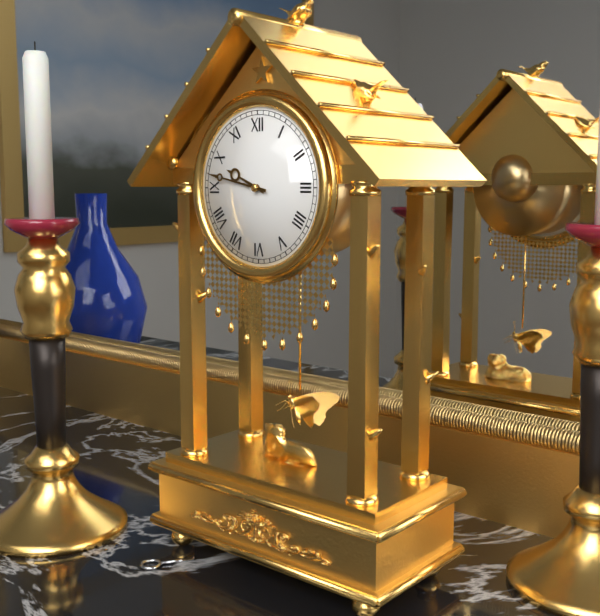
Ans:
9h47
